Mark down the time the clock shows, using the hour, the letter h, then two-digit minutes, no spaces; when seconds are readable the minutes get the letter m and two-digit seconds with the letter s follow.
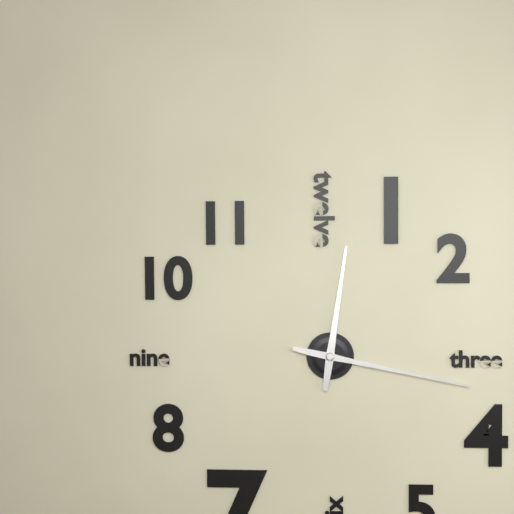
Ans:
12h17
